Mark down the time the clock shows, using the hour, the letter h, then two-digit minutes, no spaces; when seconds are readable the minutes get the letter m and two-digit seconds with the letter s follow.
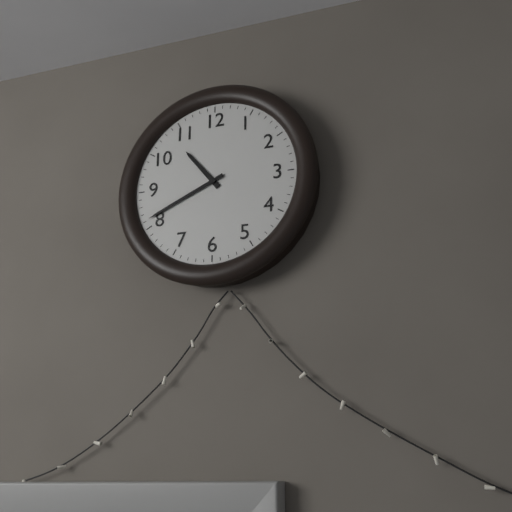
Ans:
10h41
